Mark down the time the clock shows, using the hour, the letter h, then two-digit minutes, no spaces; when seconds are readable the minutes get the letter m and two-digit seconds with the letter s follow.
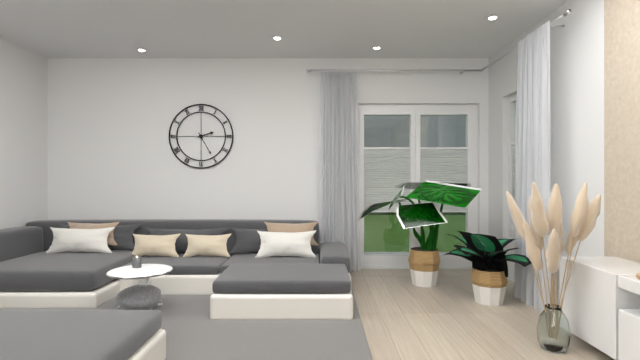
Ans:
2h25
